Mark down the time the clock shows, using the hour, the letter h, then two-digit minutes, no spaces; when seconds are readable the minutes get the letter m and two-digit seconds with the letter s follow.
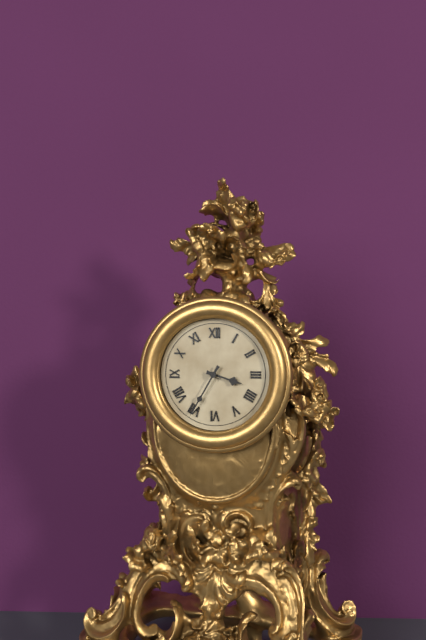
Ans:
3h35
